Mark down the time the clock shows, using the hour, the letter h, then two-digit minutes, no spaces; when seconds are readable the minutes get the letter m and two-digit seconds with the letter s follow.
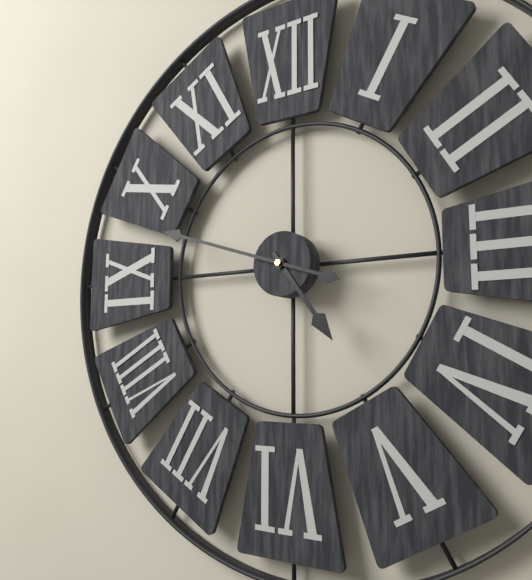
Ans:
4h48
